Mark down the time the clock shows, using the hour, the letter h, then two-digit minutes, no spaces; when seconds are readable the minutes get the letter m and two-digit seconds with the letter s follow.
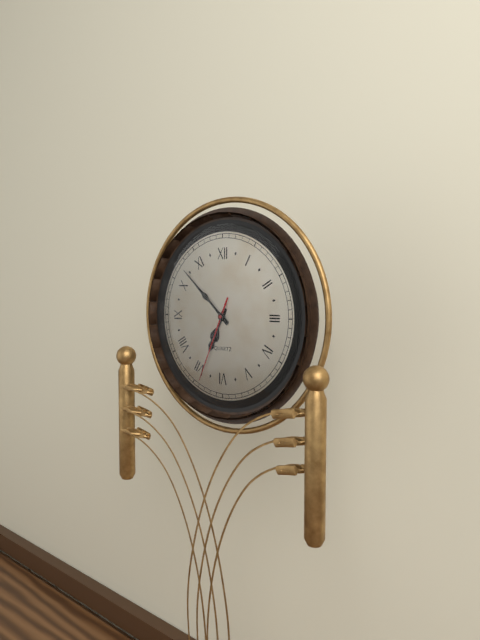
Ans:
6h52m34s
